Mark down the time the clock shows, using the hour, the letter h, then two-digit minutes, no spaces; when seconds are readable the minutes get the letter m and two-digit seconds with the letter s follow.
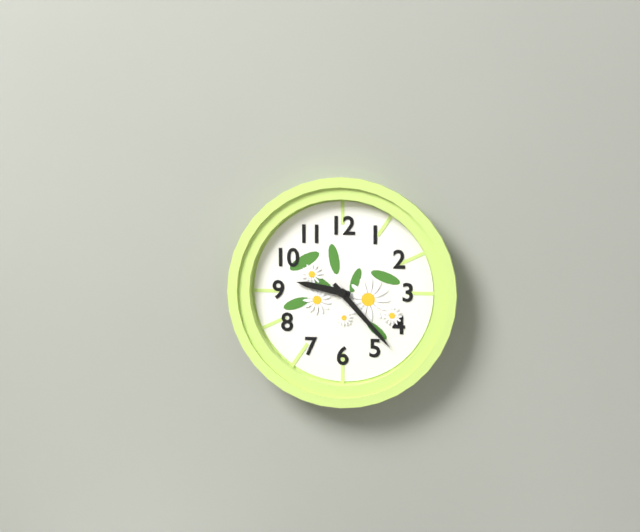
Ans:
9h23
